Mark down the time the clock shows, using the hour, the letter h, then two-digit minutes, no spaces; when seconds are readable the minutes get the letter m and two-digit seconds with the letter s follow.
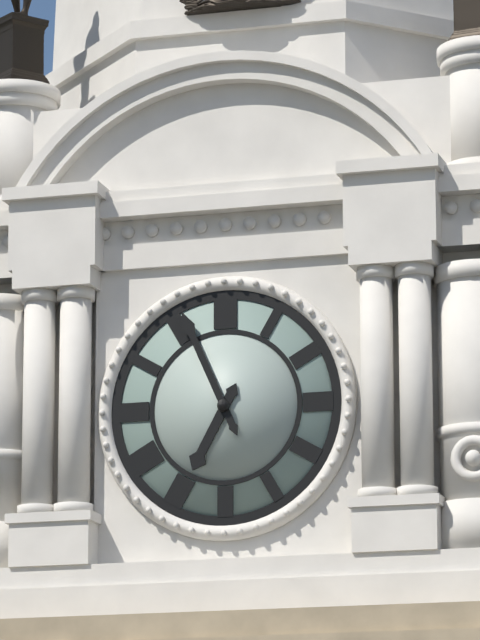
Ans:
6h56
